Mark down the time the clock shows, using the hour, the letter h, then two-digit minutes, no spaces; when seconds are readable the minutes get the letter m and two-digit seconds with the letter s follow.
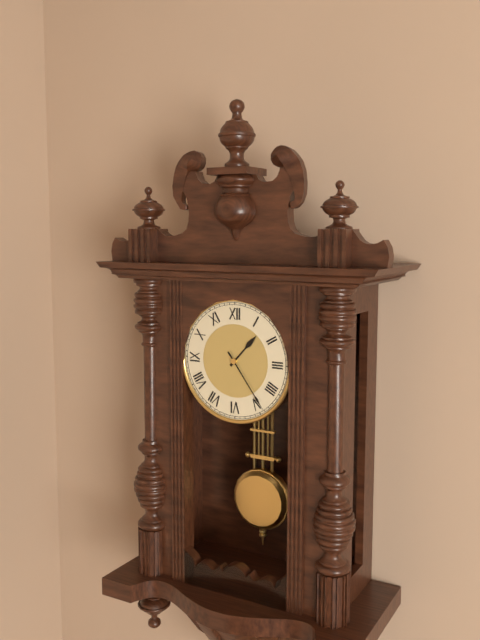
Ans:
1h24
